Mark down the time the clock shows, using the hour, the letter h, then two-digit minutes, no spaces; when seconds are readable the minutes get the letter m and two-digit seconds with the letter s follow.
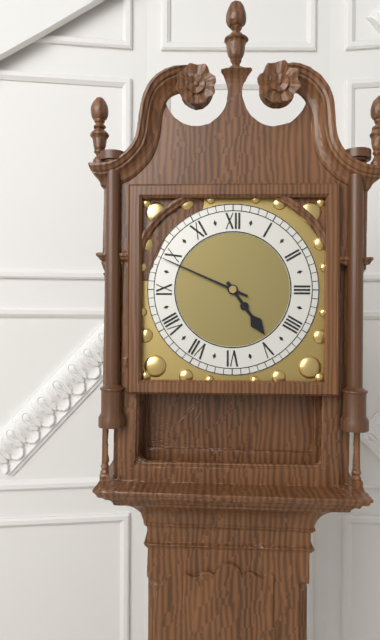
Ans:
4h49
